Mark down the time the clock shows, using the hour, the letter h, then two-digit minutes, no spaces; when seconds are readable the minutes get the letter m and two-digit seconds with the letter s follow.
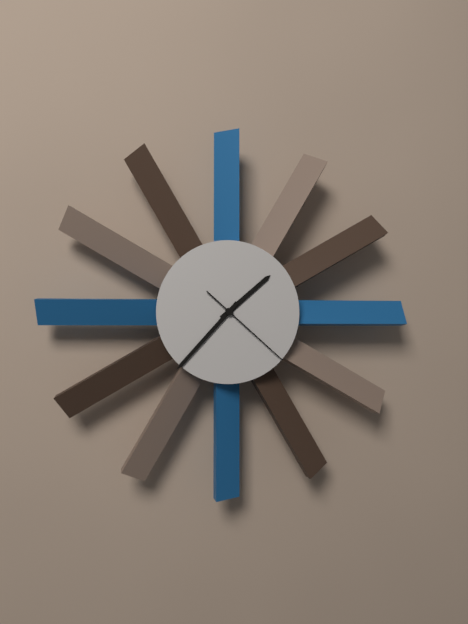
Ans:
1h37m22s
